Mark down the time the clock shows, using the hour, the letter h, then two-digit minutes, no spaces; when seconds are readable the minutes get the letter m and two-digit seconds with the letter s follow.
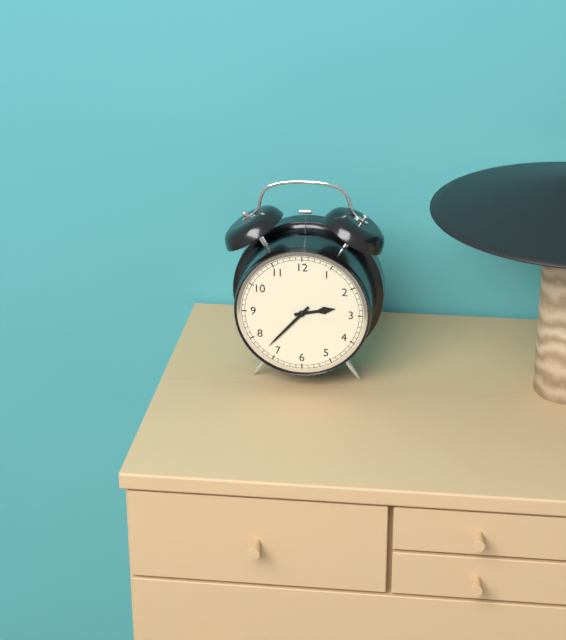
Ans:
2h37
